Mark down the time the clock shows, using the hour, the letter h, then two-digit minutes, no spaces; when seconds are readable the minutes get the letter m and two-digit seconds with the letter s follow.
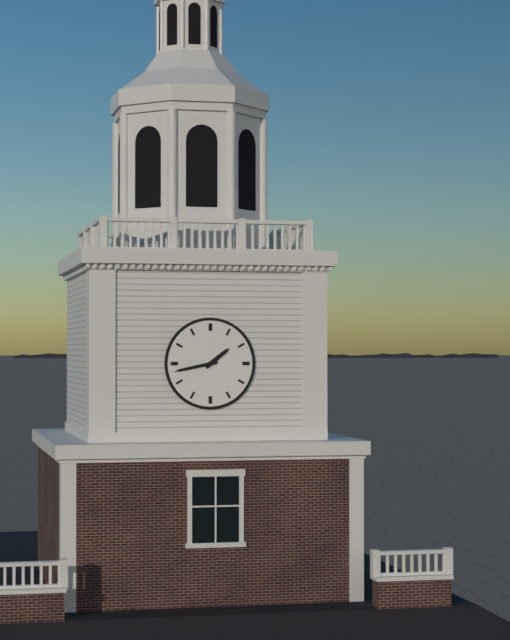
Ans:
1h43
